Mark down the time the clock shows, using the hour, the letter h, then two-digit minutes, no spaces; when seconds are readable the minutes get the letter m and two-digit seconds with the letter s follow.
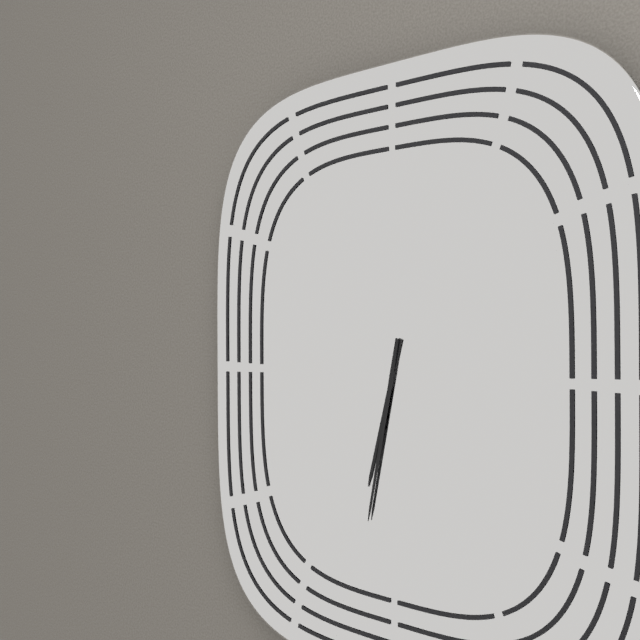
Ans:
6h32
